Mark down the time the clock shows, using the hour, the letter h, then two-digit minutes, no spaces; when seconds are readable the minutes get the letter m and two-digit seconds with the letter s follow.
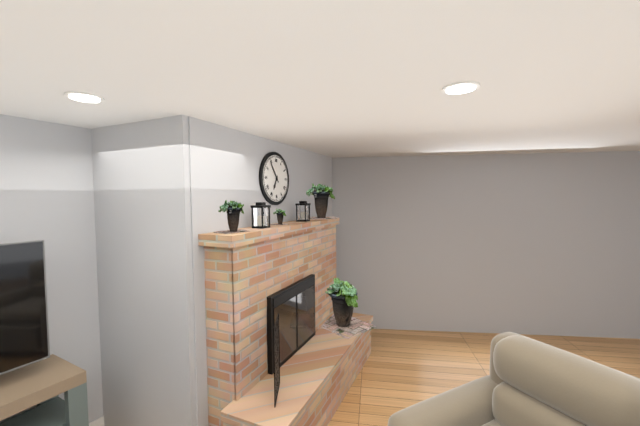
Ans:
6h54
